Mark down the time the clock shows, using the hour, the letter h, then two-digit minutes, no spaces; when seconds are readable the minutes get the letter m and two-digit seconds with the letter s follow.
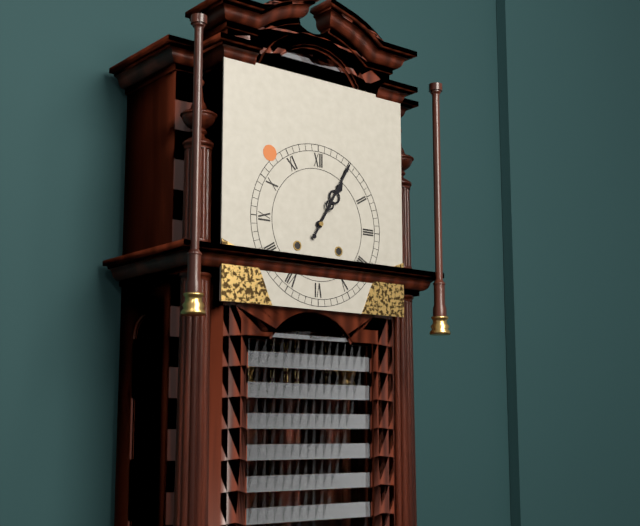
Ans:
1h05
